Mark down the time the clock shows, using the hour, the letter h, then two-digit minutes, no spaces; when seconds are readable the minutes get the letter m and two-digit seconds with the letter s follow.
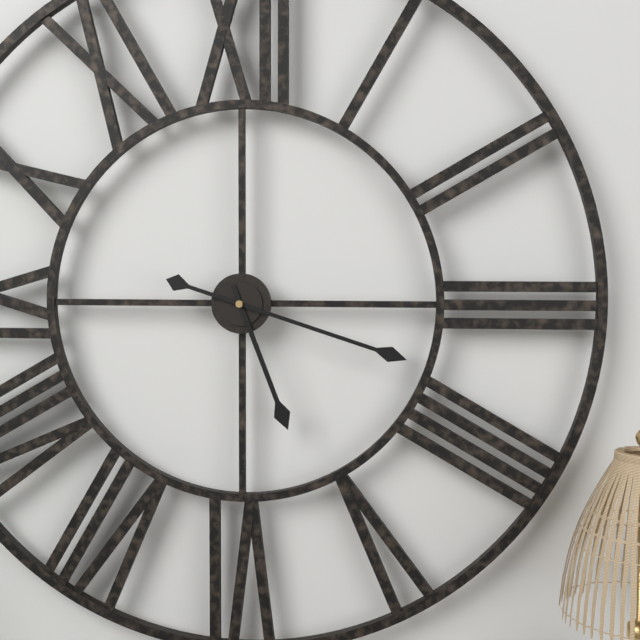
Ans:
5h18
